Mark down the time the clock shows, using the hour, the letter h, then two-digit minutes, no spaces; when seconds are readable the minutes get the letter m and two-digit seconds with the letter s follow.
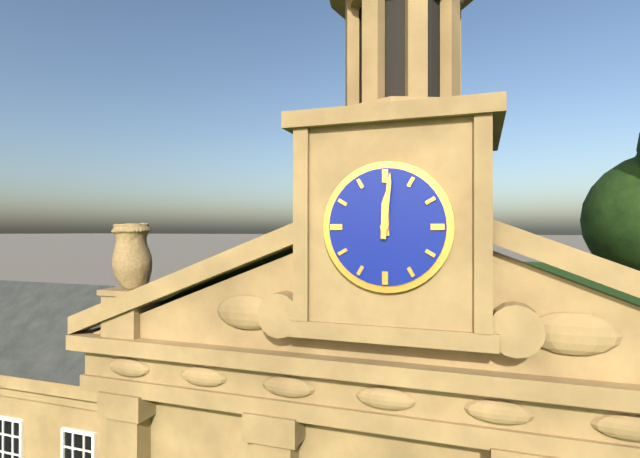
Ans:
12h01
